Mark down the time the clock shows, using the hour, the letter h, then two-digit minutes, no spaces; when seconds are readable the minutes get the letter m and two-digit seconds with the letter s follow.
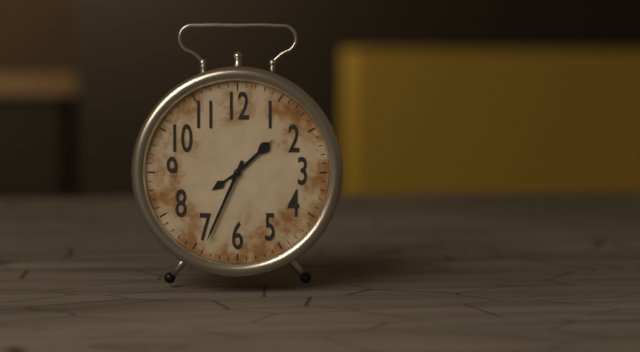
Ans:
1h34
